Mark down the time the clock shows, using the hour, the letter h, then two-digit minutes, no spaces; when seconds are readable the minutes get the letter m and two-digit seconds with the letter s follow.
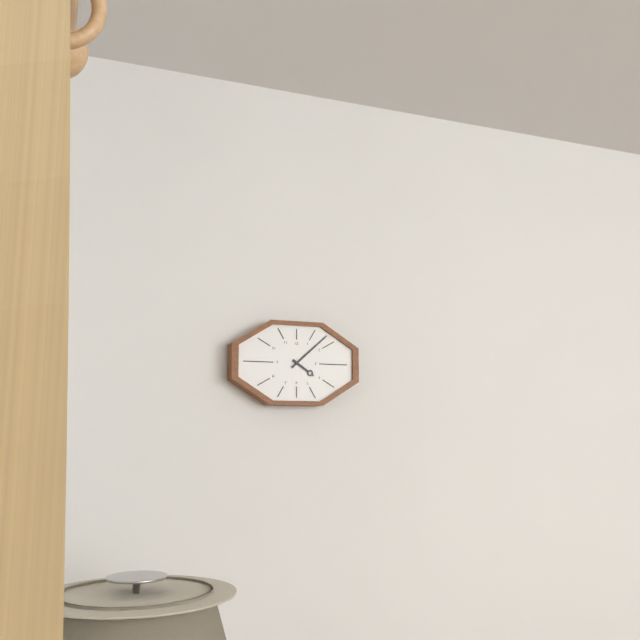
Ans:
4h08
